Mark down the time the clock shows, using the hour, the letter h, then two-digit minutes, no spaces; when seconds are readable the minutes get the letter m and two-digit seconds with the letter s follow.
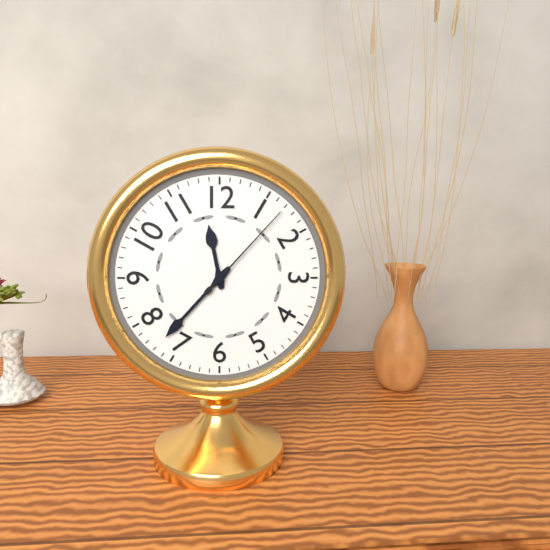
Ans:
11h37m07s
